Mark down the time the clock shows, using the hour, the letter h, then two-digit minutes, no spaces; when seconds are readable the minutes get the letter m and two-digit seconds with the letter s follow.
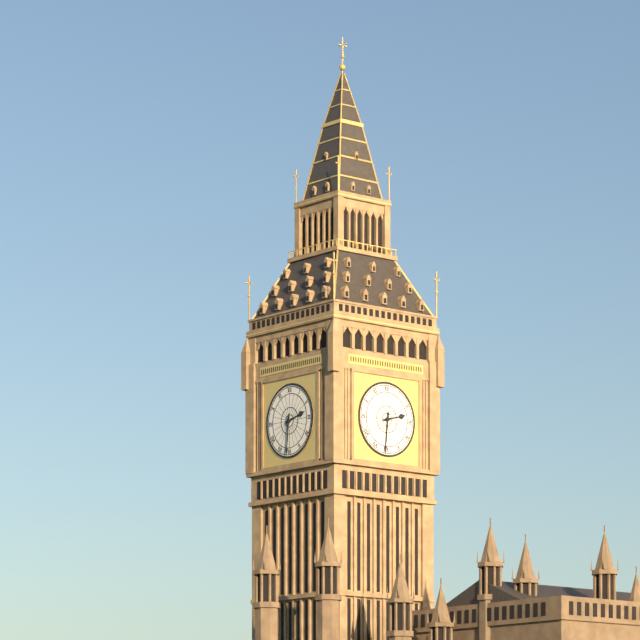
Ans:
2h31
